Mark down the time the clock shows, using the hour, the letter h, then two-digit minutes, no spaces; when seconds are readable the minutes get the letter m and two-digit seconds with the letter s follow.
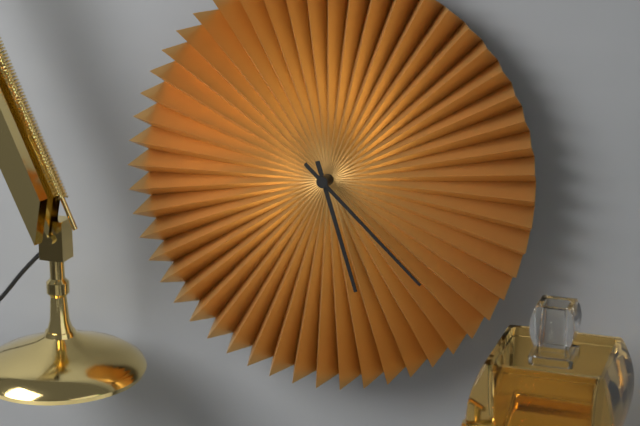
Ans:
5h22
